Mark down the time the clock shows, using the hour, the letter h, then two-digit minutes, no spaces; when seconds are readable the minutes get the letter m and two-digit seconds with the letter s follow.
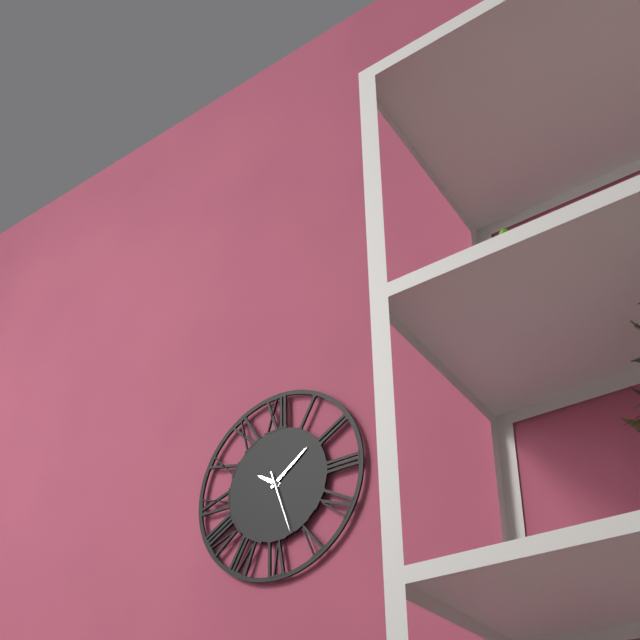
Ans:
10h09m27s
